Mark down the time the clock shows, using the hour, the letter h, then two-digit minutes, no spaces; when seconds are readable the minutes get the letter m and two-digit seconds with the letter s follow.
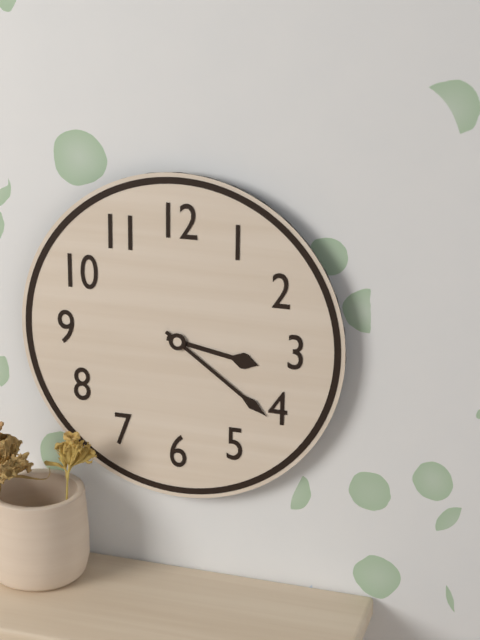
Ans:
3h21
